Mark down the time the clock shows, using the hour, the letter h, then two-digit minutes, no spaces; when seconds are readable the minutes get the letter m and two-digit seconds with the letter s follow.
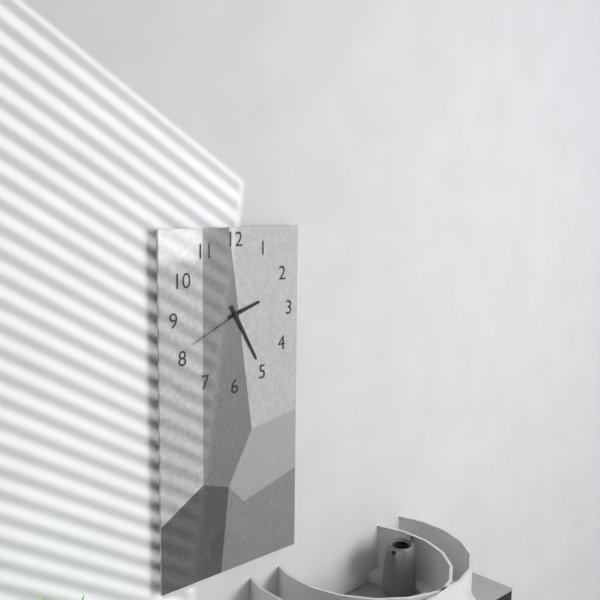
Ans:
2h25m41s
